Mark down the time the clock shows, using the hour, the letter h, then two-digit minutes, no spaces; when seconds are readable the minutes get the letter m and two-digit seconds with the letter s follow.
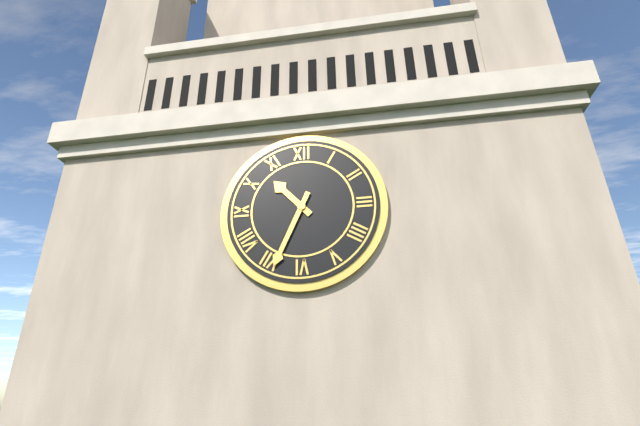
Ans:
10h34
